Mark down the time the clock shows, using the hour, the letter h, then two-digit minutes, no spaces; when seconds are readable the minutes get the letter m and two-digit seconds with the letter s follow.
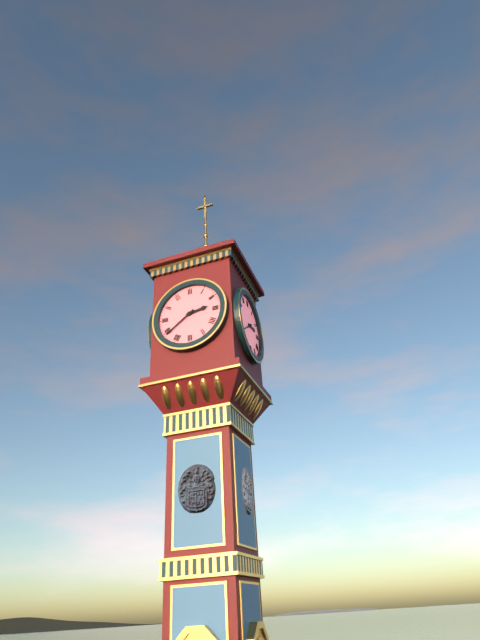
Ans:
2h39
